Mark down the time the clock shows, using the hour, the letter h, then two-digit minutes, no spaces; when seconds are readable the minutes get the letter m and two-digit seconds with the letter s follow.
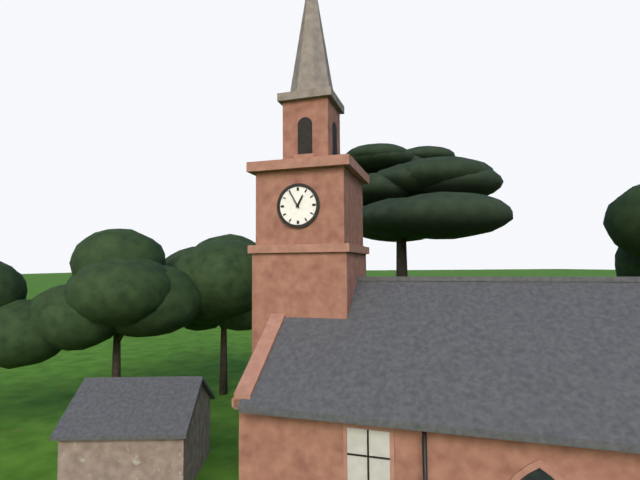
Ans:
12h55
